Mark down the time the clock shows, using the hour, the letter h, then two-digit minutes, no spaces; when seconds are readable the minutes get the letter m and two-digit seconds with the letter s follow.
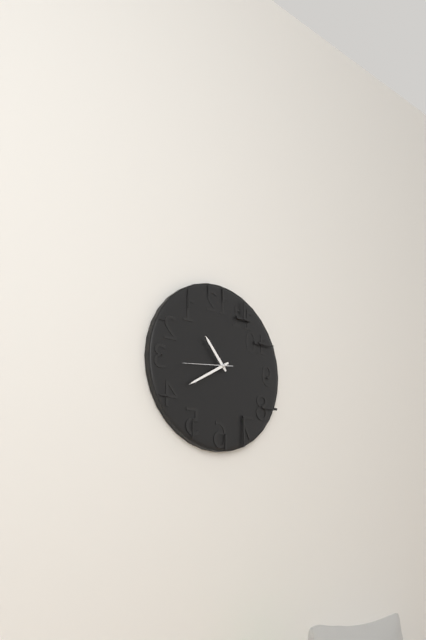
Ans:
10h40
